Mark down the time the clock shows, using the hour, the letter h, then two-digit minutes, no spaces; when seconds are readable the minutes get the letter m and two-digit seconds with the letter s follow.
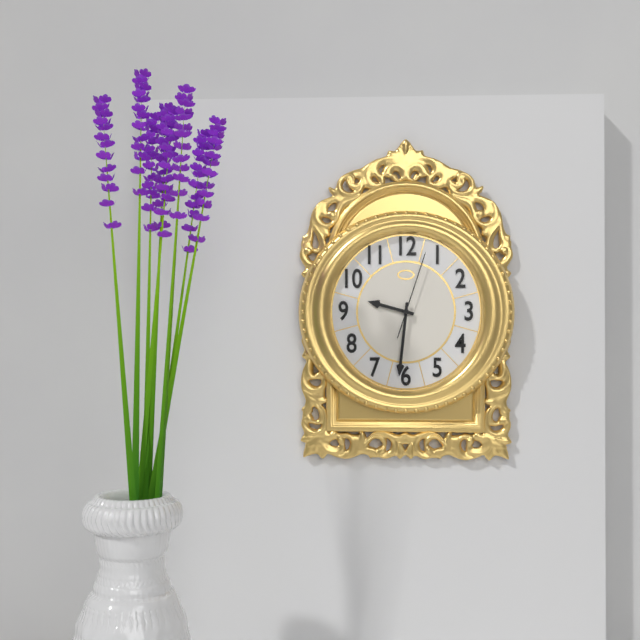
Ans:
9h31m03s
